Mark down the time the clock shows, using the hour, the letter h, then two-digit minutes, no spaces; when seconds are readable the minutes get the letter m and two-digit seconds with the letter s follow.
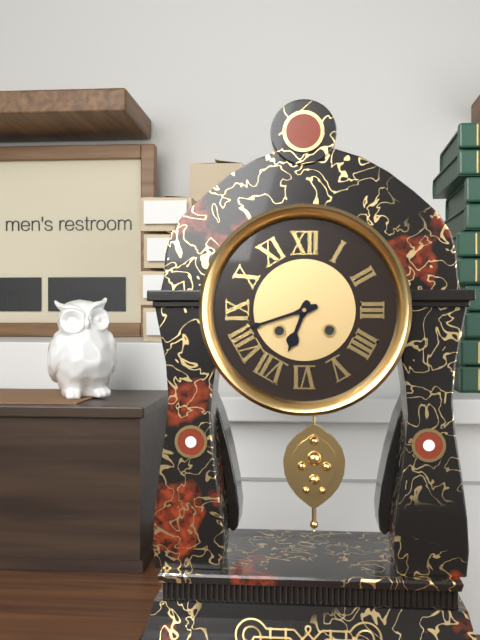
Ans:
6h42
